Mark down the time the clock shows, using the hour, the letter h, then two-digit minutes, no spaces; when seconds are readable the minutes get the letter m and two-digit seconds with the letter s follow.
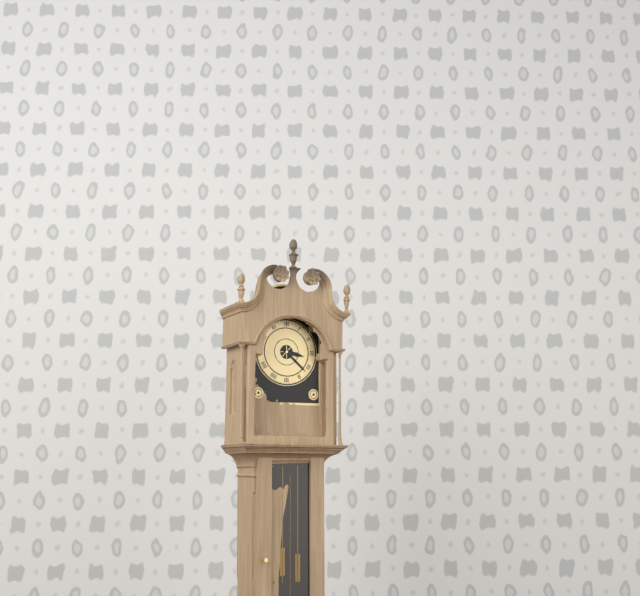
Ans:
3h22
